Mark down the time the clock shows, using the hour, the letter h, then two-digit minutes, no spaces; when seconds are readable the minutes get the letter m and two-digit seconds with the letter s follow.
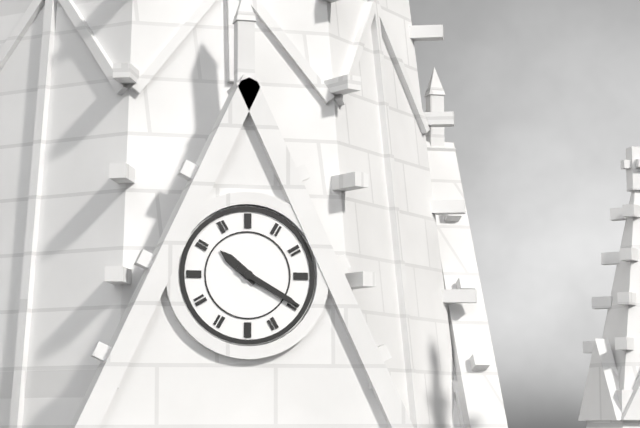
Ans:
10h20
